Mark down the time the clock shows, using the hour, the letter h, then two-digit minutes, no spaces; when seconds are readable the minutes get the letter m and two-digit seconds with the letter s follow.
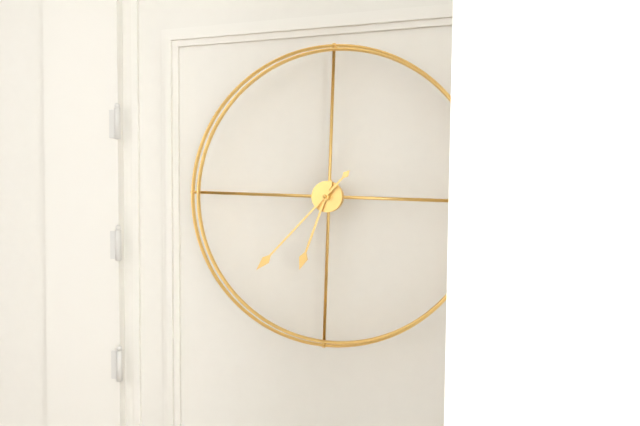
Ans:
6h37
